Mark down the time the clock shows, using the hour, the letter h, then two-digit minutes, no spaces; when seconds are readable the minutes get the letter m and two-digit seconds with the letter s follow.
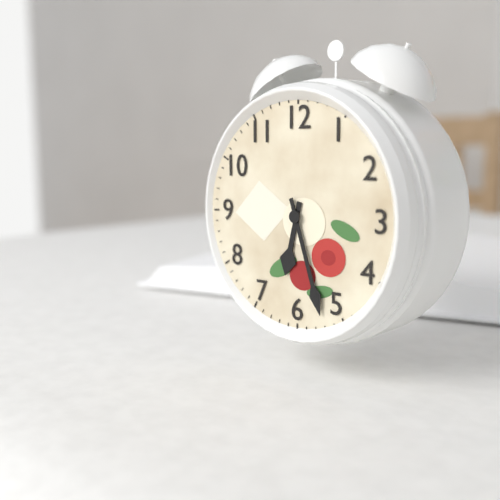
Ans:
6h27
